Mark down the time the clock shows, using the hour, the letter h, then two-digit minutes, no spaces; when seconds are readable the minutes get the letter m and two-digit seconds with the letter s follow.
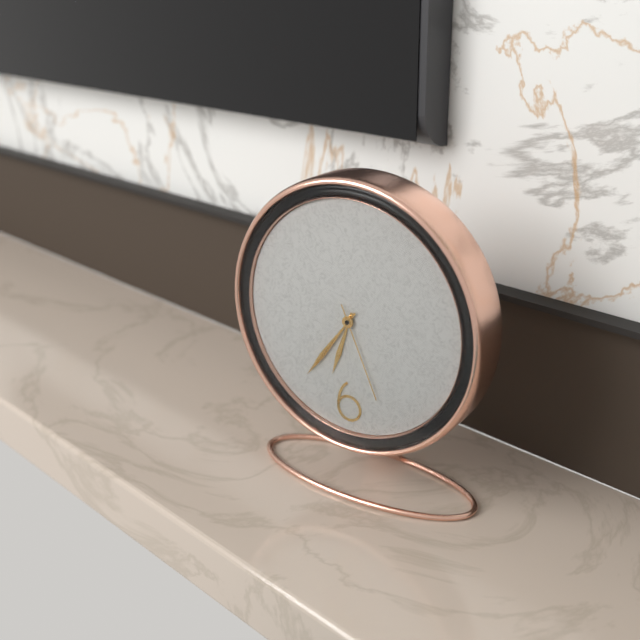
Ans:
6h36m26s
